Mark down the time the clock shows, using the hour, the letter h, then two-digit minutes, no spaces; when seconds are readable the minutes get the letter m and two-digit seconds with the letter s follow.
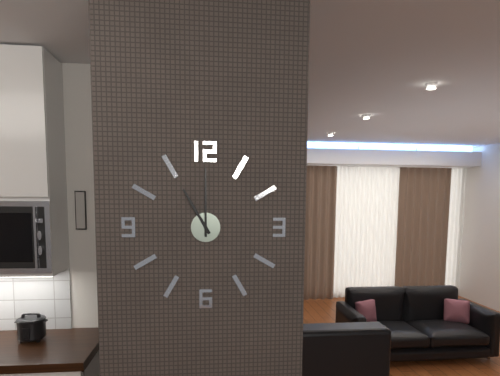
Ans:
11h00
